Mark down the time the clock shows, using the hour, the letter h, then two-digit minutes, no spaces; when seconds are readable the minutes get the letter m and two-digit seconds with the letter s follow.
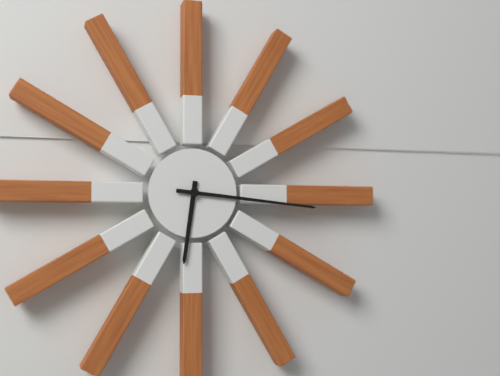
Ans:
6h16
